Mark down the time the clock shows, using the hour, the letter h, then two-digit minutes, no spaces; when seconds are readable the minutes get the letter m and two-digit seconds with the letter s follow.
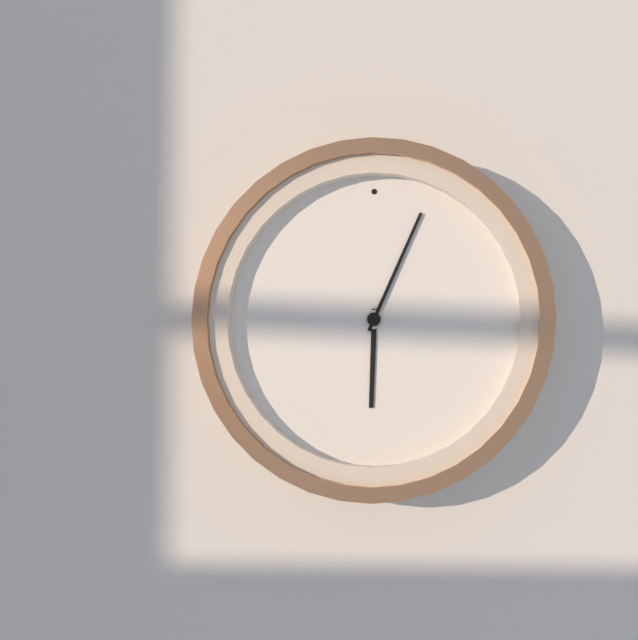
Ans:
6h04
